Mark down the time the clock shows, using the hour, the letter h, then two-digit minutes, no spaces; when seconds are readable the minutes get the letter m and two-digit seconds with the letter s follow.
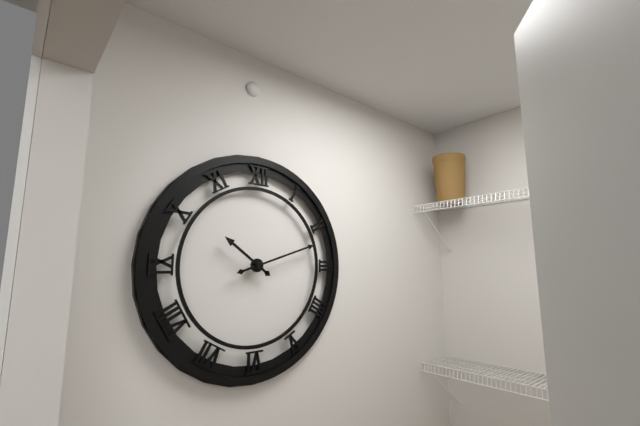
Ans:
10h12
